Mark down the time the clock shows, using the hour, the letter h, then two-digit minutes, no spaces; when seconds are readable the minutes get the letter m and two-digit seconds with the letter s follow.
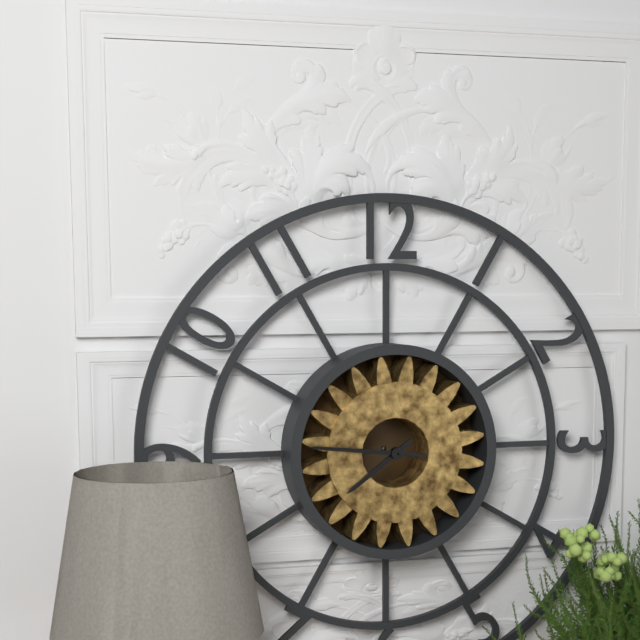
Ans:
7h46
